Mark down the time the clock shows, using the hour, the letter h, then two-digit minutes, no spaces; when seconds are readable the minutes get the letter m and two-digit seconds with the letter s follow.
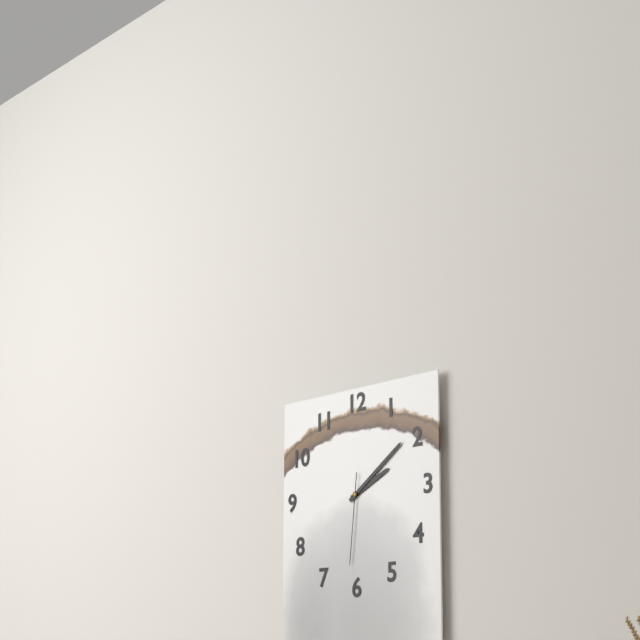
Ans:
2h09m31s
